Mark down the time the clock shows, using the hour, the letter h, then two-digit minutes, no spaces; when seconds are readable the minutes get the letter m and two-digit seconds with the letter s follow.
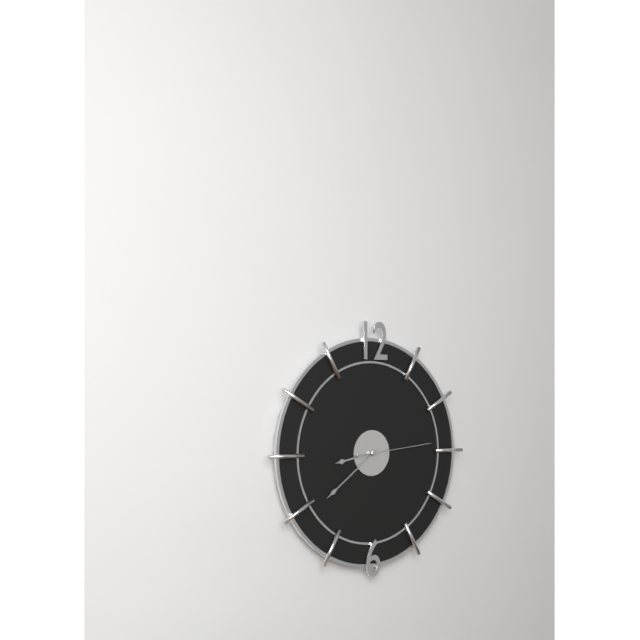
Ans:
8h39m14s
